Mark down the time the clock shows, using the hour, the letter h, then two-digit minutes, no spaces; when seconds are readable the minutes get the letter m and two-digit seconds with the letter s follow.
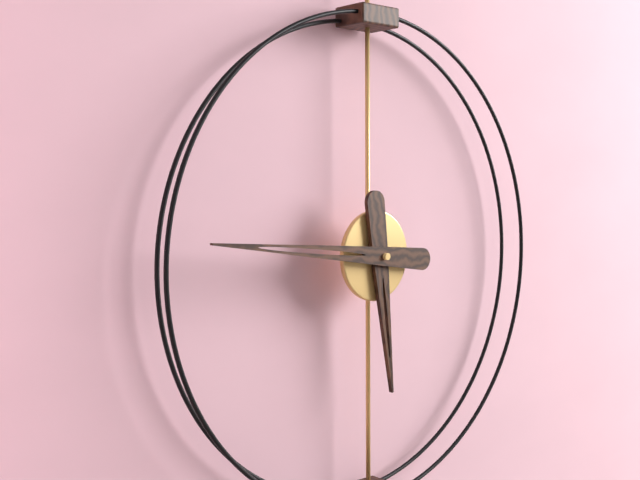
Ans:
5h46
